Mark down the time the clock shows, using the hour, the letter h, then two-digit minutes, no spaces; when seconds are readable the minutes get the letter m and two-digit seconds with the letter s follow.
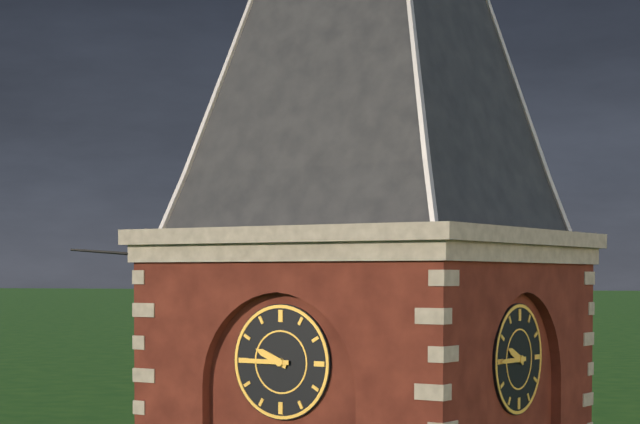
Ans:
9h45
